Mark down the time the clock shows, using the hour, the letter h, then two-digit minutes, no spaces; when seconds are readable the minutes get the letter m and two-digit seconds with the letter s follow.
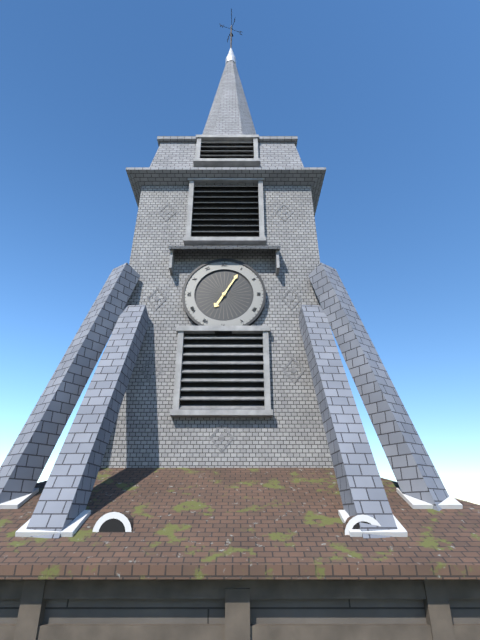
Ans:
7h05
